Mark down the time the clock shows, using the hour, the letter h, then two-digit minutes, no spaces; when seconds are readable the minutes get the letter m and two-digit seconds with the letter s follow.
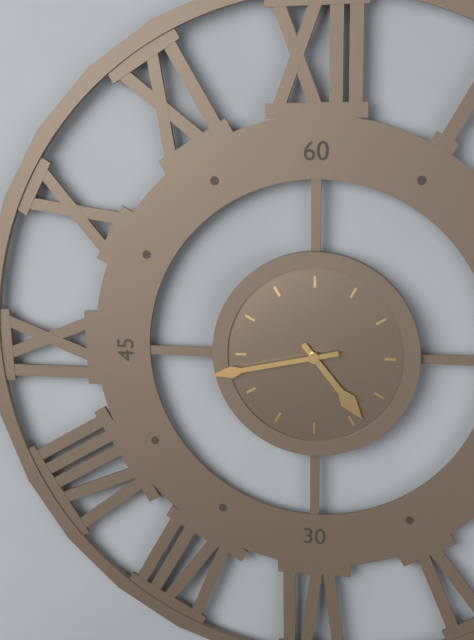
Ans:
4h43
